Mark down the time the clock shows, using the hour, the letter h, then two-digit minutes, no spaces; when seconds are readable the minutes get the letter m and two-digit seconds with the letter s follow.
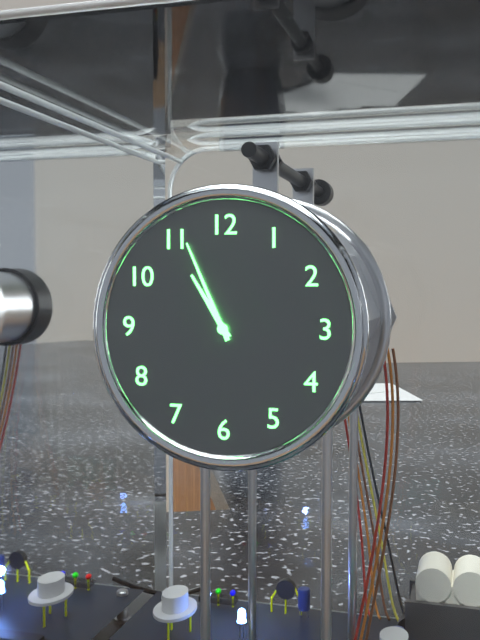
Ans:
10h56
